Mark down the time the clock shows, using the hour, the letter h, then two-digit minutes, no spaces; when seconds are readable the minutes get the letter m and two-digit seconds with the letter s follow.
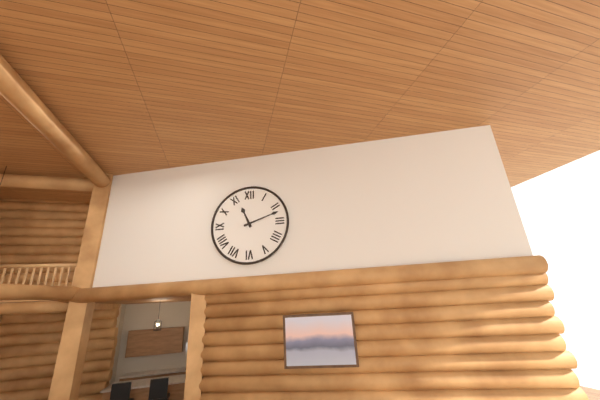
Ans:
11h12
